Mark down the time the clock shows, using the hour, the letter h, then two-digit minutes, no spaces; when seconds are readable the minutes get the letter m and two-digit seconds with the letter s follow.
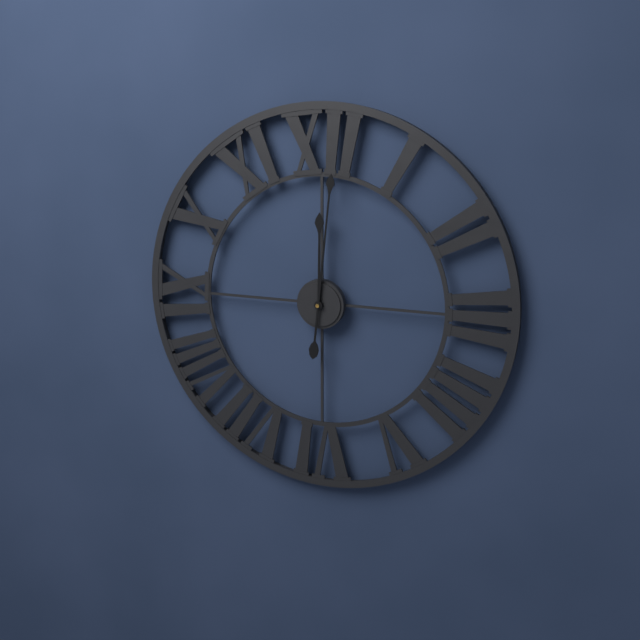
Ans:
12h01
